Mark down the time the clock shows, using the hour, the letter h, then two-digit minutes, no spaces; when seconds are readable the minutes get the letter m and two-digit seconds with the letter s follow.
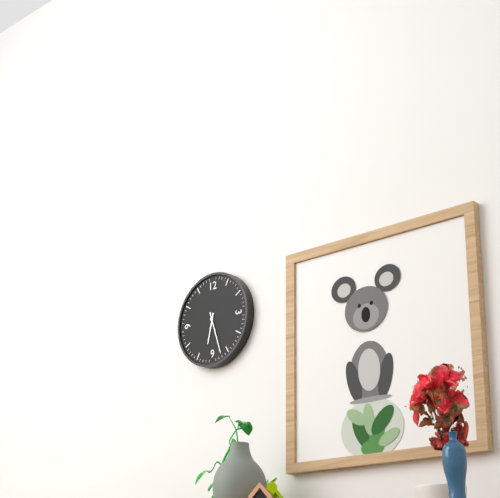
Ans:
6h27
